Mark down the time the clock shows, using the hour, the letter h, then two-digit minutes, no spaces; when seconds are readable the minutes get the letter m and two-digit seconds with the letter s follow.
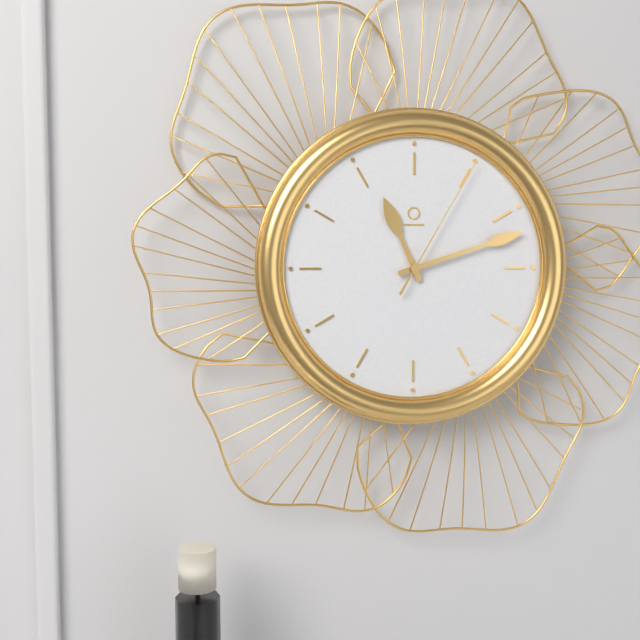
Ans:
11h12m05s
